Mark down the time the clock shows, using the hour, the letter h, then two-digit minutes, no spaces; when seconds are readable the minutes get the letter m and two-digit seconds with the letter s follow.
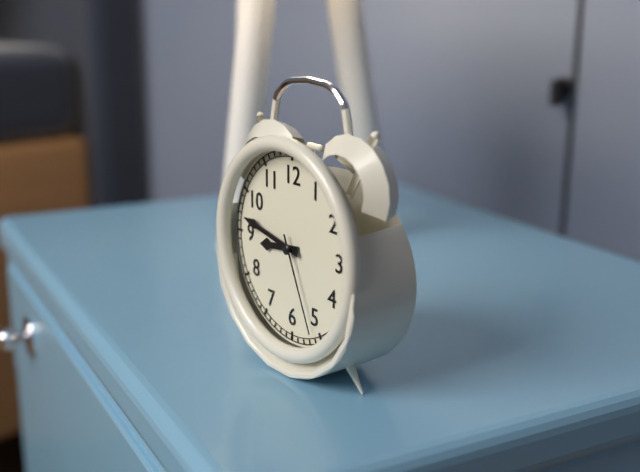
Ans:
8h47m26s
